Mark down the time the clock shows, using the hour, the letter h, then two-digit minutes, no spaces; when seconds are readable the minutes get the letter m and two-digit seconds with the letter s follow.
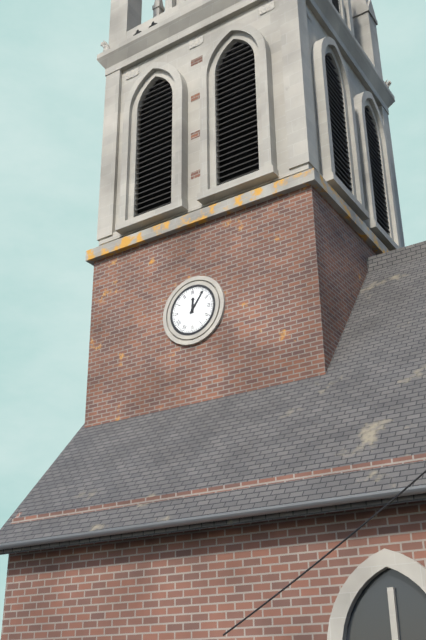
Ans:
12h06
